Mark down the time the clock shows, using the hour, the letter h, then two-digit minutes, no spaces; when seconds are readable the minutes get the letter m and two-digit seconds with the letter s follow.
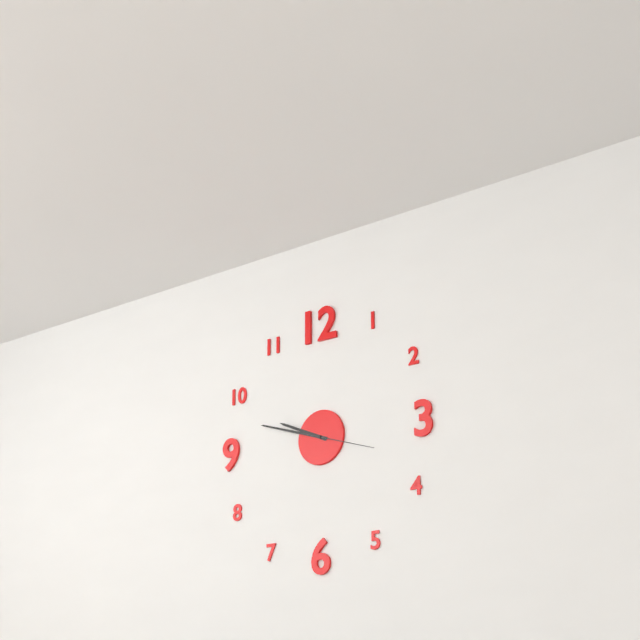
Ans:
9h48m18s
